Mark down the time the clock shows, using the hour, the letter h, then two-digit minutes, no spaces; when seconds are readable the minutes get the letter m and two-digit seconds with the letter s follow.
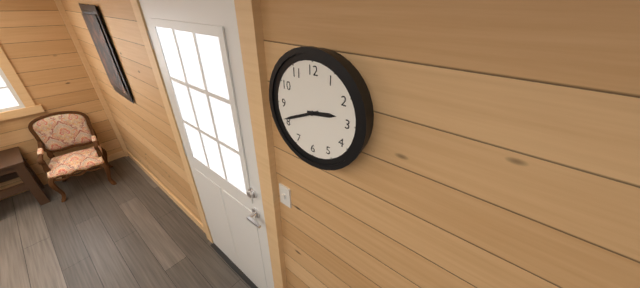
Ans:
2h41
